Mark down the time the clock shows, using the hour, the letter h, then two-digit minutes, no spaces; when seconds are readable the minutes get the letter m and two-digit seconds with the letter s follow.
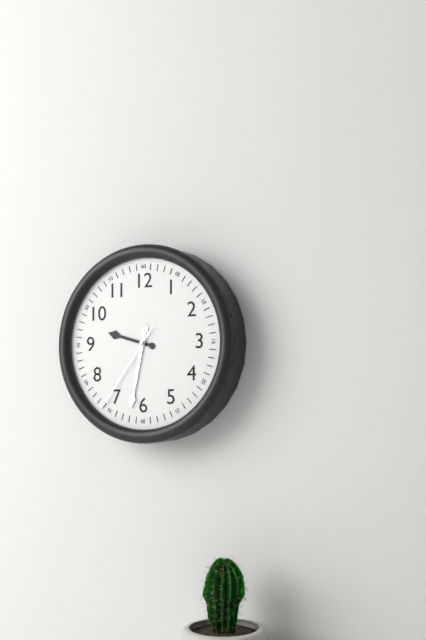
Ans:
9h32m36s
